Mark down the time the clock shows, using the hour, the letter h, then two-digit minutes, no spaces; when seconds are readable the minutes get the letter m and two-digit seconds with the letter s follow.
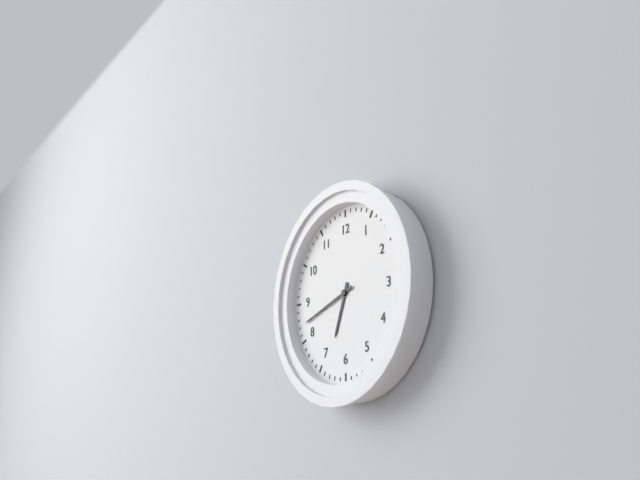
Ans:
6h42
